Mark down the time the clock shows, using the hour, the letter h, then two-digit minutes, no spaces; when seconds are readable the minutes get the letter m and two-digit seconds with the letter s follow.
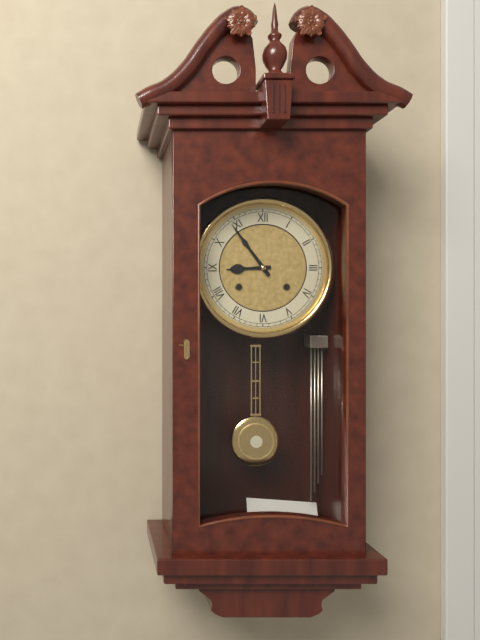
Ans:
8h54
